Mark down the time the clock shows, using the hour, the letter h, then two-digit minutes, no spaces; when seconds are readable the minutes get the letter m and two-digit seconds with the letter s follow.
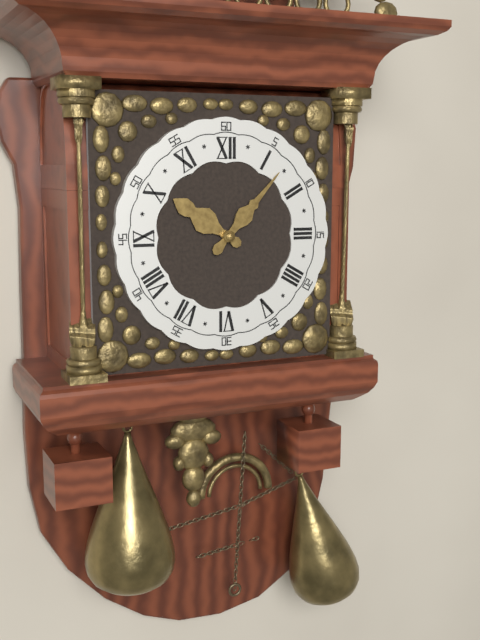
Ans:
10h07
